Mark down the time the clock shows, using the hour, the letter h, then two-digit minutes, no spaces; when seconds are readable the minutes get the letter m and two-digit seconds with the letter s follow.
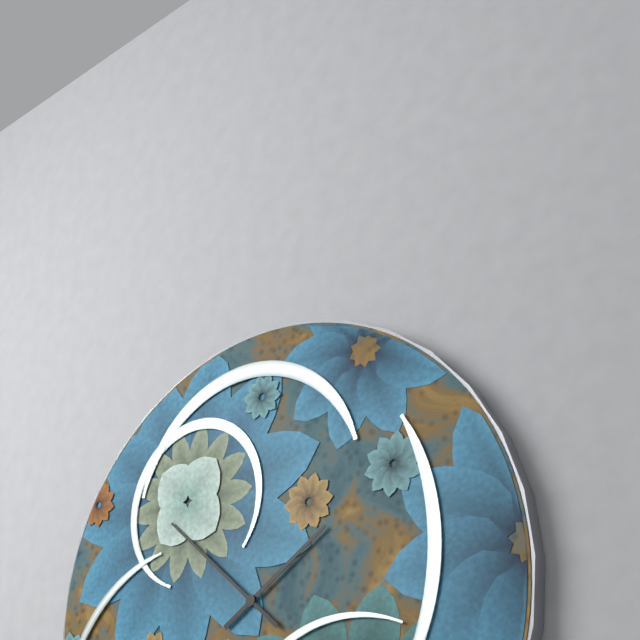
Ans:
1h52
